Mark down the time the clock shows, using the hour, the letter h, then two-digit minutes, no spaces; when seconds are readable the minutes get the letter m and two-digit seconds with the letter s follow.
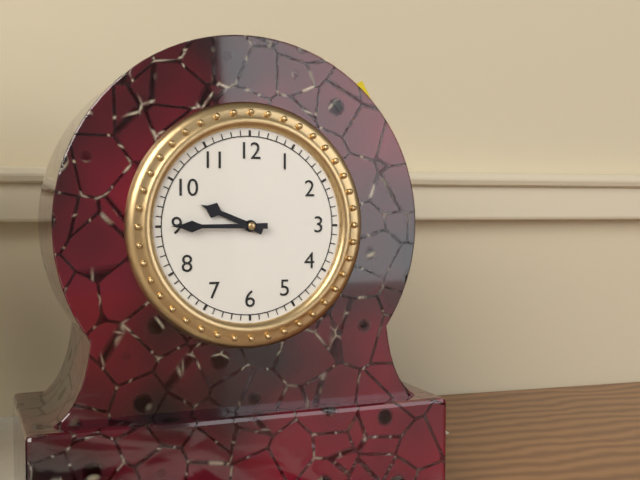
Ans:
9h45
